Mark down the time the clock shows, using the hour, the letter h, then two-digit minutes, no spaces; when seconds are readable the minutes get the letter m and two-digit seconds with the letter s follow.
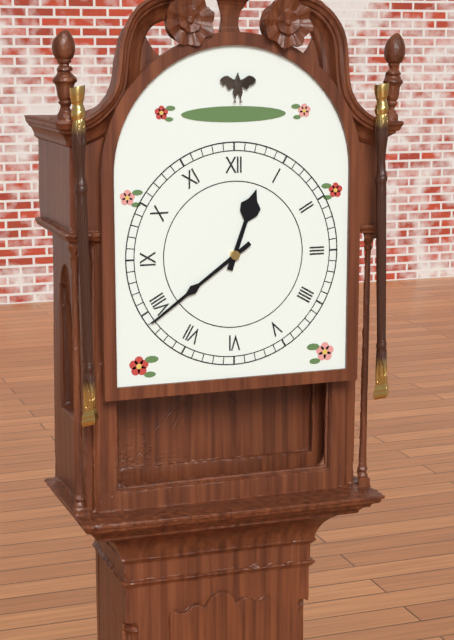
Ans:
12h39
